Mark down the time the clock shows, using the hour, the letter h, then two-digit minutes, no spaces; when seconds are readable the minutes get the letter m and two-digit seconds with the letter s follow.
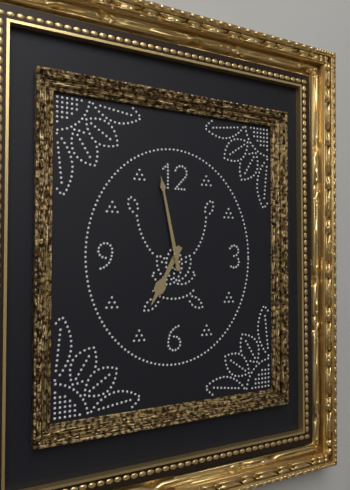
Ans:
6h58
